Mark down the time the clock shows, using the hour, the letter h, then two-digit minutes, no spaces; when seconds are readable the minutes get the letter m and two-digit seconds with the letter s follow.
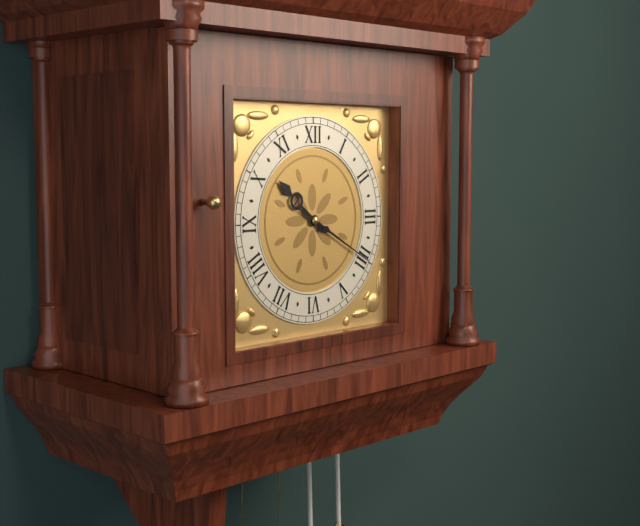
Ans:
10h20
